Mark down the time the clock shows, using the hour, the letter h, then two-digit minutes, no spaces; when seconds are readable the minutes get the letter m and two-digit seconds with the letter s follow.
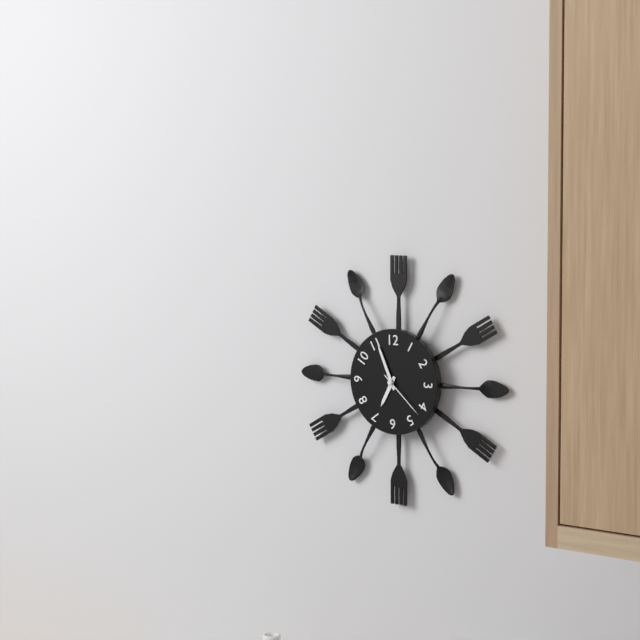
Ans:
6h56m22s
